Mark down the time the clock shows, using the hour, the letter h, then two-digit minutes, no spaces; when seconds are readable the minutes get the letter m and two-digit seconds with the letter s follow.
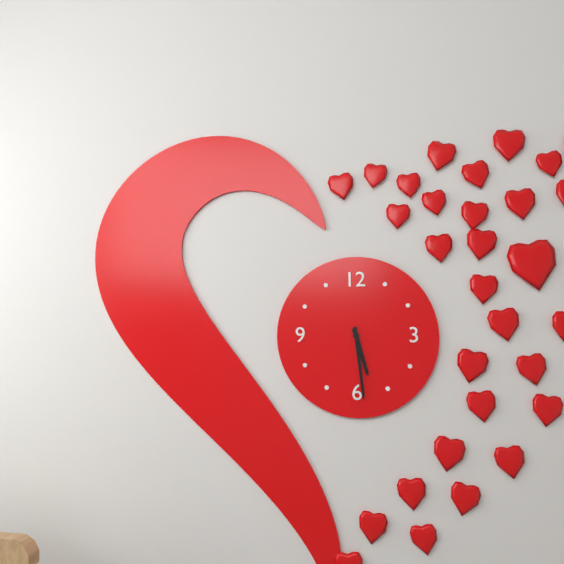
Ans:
5h29
